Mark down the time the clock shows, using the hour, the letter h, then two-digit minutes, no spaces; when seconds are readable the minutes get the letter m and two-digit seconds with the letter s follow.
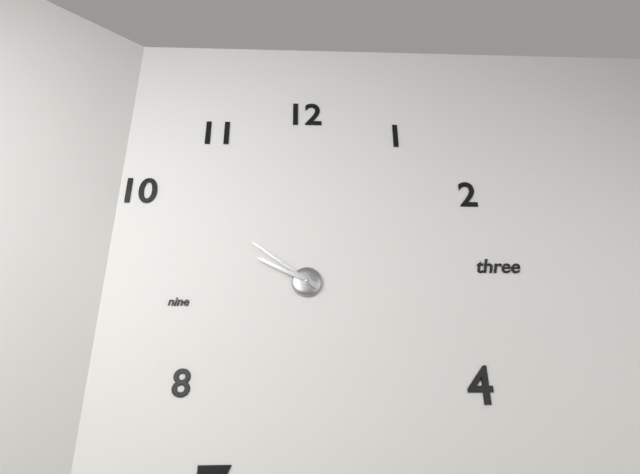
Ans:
9h51
